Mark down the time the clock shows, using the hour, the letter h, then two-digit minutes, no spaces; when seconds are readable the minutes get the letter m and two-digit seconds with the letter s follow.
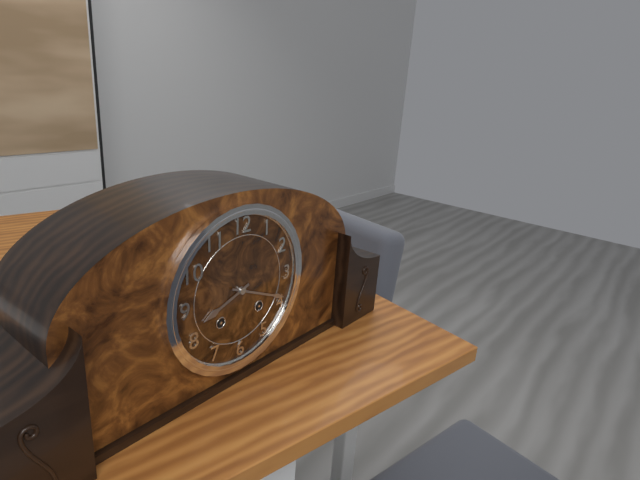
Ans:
8h19
